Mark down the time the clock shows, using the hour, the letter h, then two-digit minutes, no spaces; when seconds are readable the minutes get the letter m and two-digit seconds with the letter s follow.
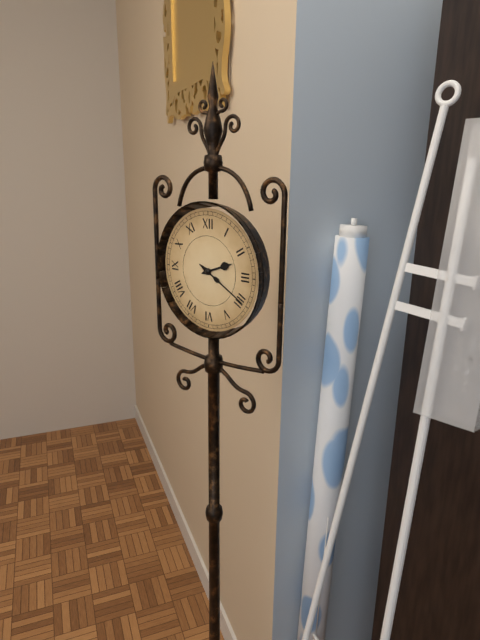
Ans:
2h20
